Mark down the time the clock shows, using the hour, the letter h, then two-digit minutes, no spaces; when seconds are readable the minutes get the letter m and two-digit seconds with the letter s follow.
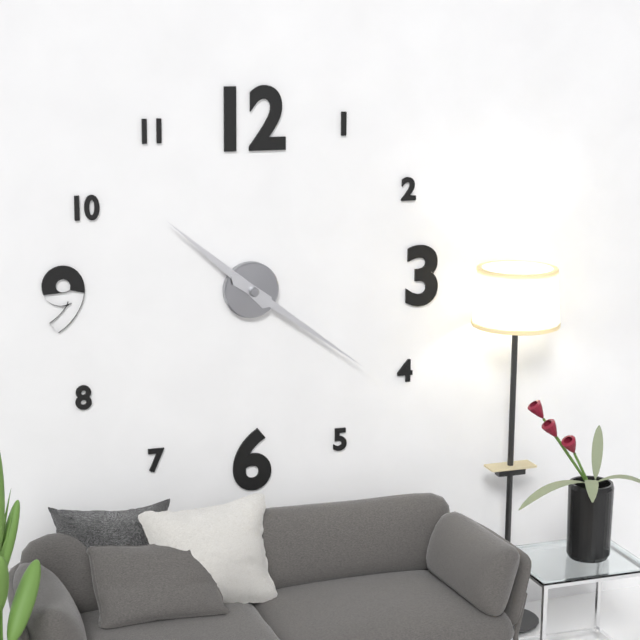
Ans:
10h21
